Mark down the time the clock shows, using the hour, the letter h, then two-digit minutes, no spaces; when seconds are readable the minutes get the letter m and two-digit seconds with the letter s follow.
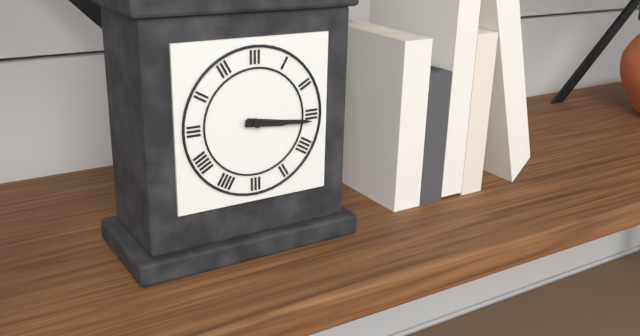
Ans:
3h16
